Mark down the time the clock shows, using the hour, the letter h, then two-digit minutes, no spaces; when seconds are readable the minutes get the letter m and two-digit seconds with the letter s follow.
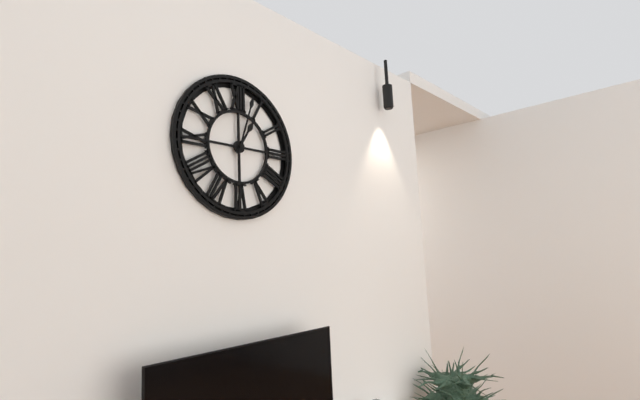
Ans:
1h03
